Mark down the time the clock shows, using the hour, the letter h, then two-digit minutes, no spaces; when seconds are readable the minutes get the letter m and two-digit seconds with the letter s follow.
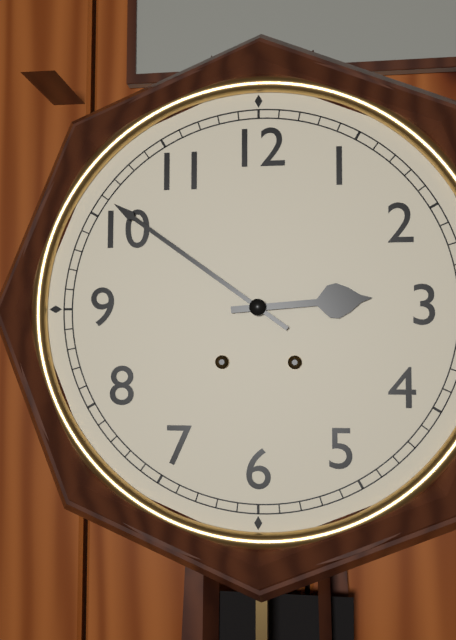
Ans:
2h51
